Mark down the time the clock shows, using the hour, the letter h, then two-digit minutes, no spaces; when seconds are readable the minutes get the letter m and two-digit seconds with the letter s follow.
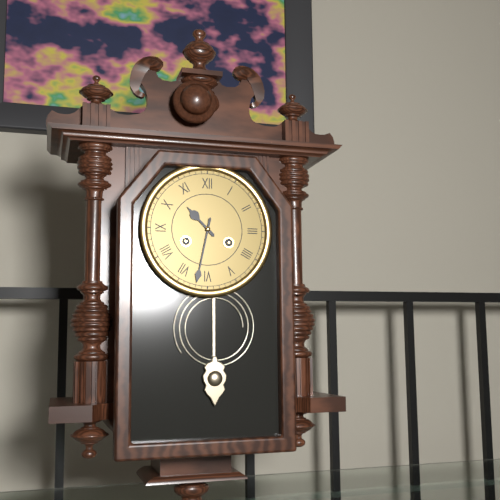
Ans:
10h32
